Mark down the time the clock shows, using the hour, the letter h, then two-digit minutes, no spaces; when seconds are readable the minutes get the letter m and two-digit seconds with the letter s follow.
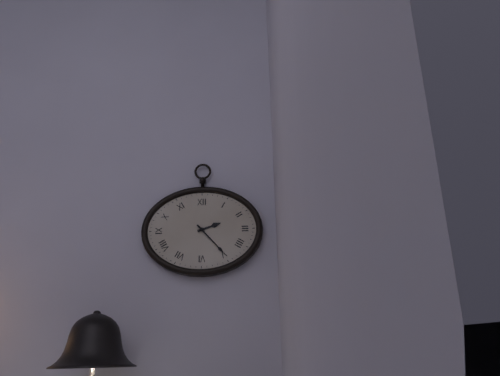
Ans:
2h23
